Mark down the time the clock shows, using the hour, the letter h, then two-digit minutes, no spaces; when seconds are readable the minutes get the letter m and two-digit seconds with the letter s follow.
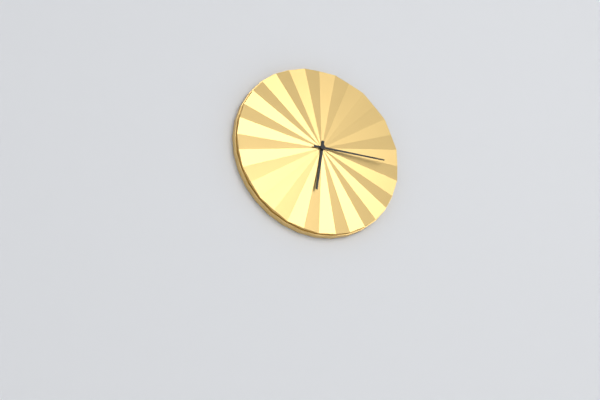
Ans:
6h15
